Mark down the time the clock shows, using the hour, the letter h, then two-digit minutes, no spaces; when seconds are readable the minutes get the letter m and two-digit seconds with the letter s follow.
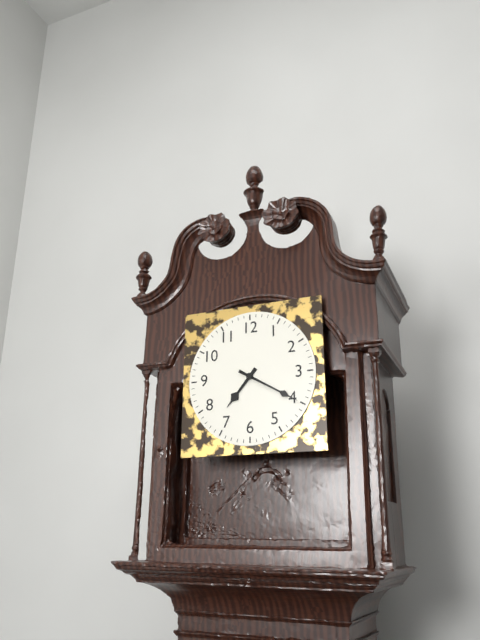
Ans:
7h20
